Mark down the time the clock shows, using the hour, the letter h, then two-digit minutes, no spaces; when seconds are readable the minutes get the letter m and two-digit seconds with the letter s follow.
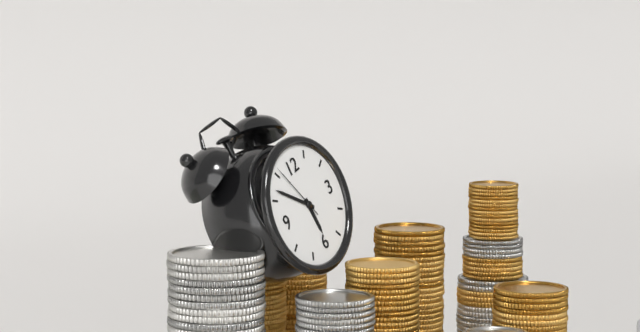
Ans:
5h52m56s
